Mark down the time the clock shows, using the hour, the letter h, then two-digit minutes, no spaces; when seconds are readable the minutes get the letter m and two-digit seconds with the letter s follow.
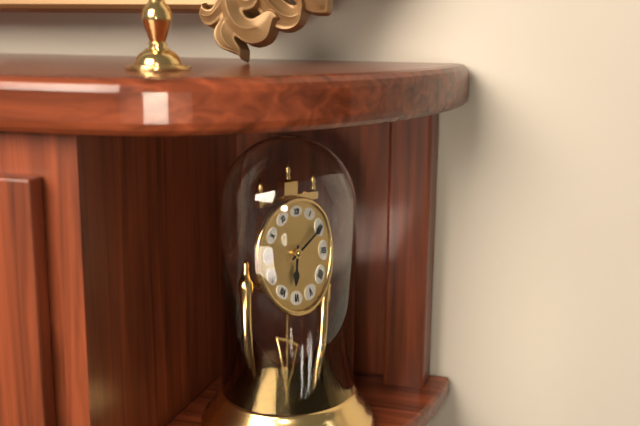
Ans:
6h10
